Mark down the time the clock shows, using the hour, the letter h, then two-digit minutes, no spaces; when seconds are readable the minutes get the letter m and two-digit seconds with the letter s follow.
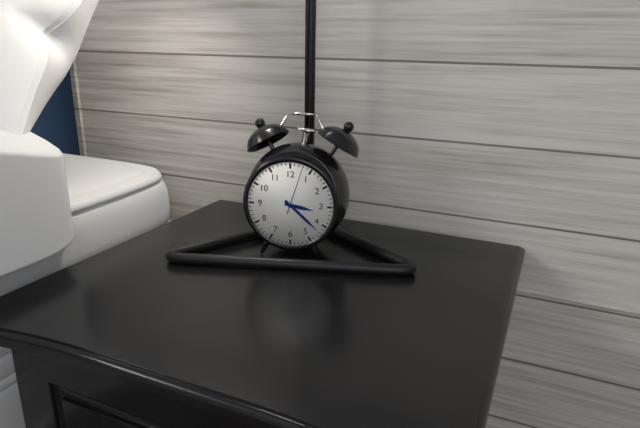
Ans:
3h22
